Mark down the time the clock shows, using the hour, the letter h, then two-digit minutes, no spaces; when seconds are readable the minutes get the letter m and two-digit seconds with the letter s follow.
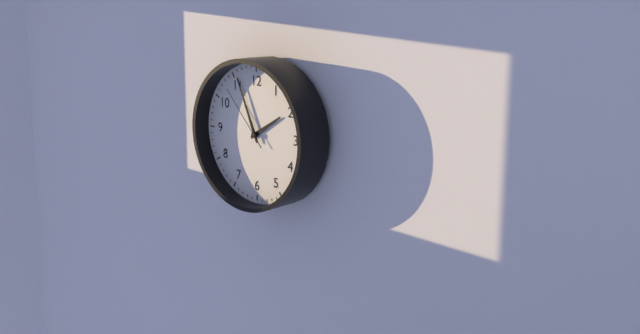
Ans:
1h56m53s
